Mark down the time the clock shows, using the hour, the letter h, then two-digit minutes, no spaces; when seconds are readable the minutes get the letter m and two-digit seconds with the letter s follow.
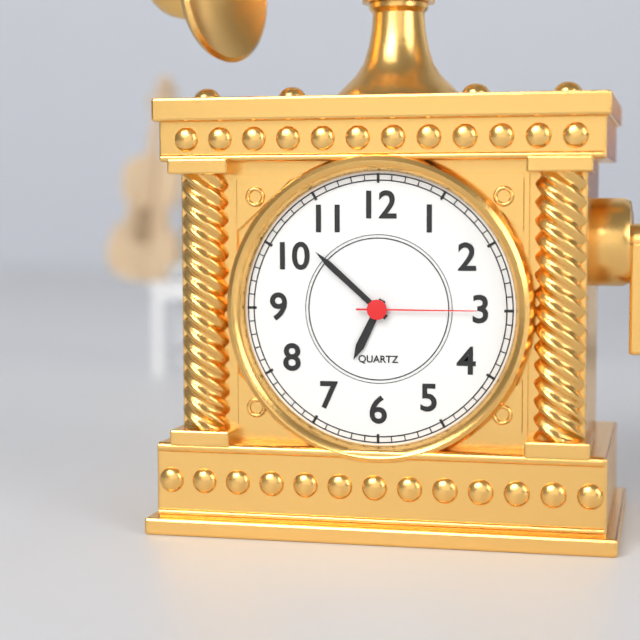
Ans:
6h52m15s
